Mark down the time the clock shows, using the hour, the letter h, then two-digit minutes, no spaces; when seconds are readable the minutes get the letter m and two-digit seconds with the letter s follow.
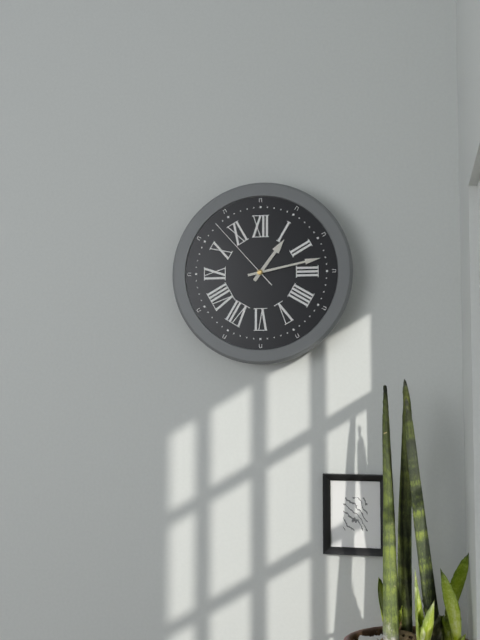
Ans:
1h13m53s
